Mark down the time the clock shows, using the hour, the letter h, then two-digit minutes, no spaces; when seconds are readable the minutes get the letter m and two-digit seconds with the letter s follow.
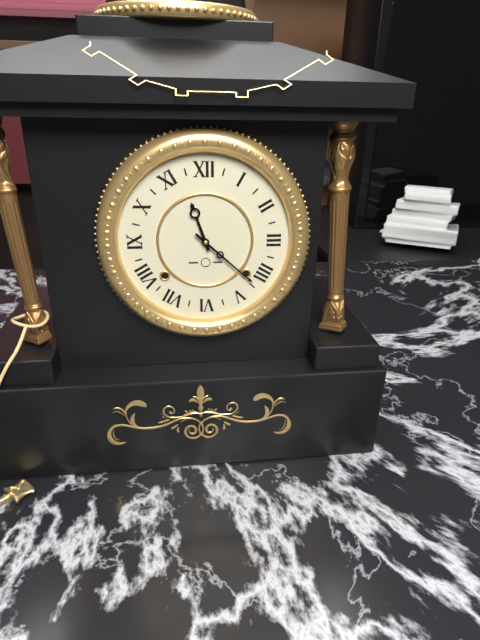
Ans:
11h22
